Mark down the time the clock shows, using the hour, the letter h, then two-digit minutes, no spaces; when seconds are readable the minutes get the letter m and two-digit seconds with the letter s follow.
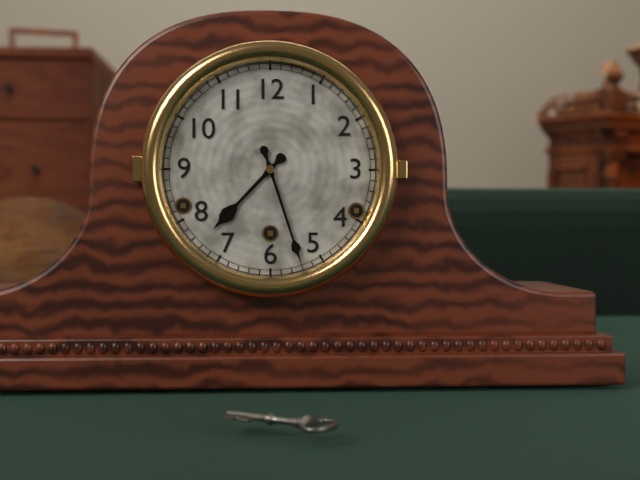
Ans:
7h27
